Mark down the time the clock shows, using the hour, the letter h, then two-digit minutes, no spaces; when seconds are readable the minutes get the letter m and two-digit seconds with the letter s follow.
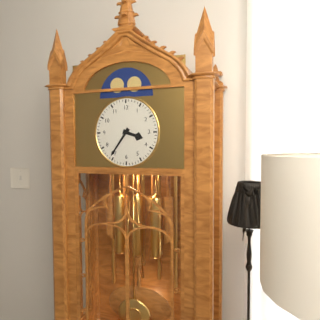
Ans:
3h36
